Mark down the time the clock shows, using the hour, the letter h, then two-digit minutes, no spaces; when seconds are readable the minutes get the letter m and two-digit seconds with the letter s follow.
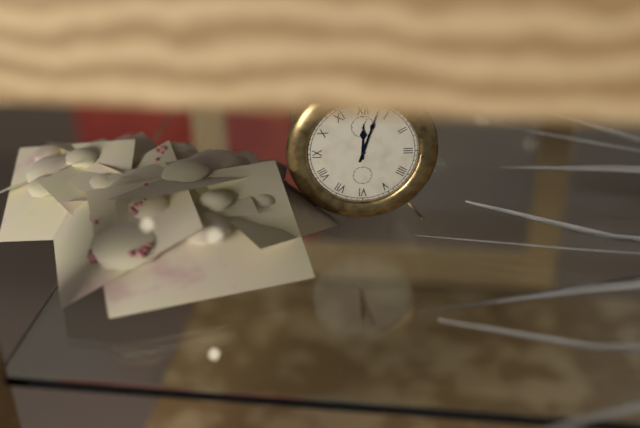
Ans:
12h03
